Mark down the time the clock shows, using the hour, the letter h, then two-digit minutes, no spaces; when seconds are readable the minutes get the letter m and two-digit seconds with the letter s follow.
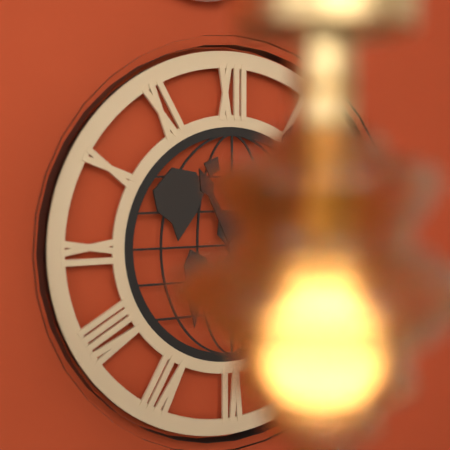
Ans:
11h05
